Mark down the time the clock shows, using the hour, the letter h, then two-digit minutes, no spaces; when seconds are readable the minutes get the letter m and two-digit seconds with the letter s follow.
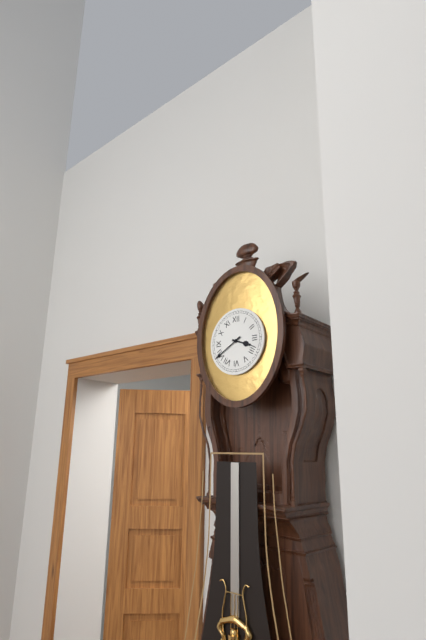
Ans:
3h40
